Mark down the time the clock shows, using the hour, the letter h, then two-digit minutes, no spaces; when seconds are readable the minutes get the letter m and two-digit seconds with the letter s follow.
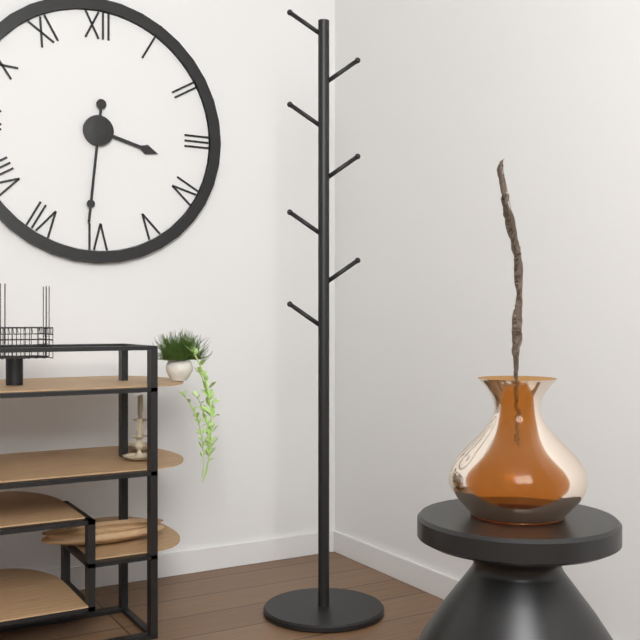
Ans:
3h31
